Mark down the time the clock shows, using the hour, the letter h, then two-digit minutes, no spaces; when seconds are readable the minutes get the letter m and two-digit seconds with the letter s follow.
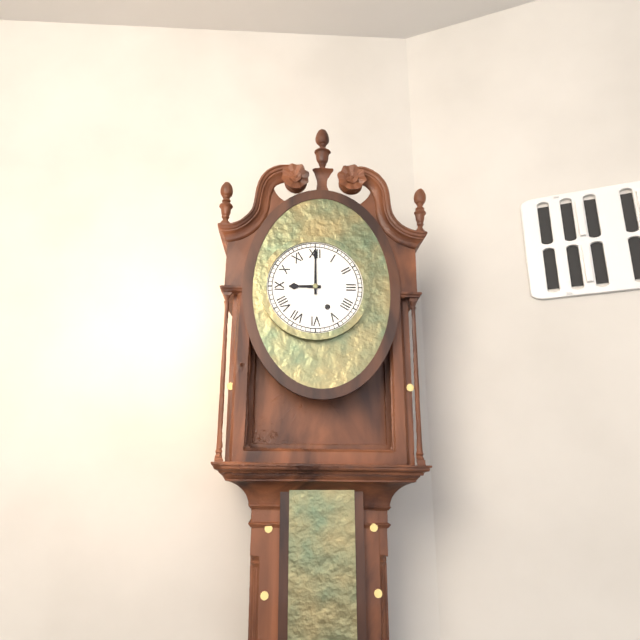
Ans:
9h00
